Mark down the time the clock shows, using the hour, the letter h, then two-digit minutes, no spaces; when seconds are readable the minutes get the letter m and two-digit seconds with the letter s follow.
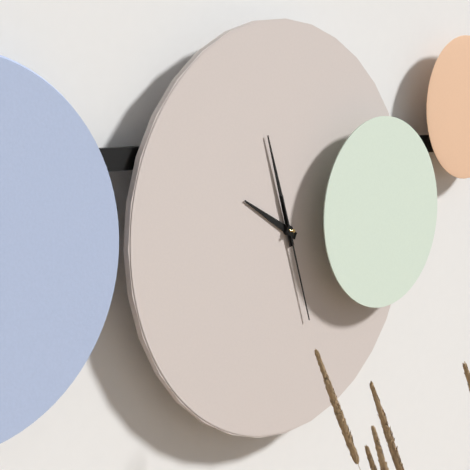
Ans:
9h57m27s
